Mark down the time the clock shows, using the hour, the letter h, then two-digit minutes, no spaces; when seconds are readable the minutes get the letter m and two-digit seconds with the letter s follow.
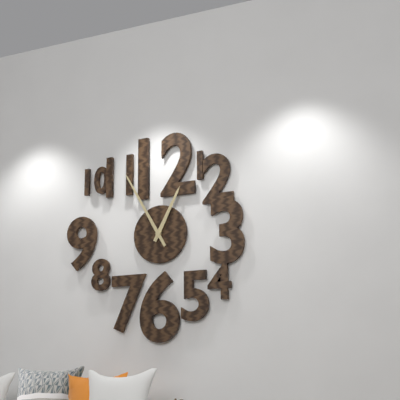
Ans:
12h55
